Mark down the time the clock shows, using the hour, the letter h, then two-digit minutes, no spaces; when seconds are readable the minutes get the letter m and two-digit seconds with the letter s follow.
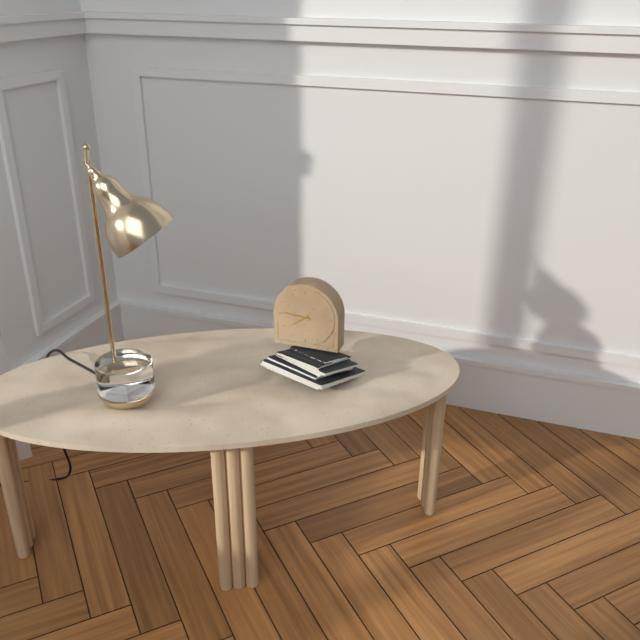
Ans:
7h46
